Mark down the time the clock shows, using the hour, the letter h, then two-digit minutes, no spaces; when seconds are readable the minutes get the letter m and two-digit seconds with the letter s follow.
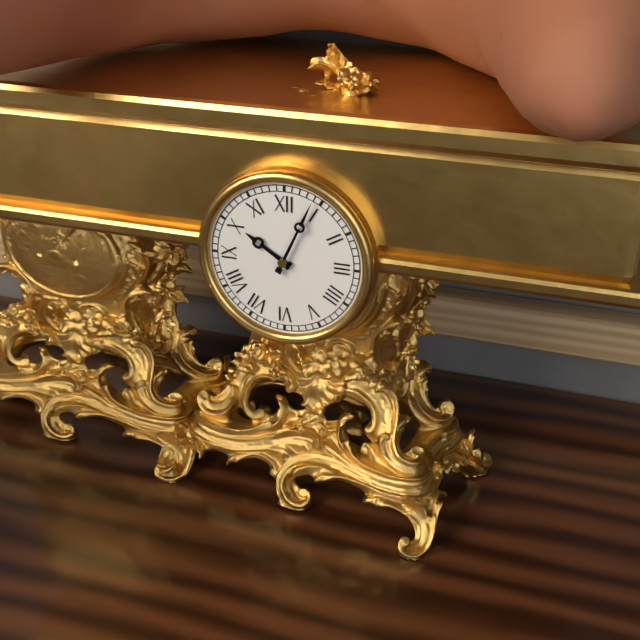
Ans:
10h04
